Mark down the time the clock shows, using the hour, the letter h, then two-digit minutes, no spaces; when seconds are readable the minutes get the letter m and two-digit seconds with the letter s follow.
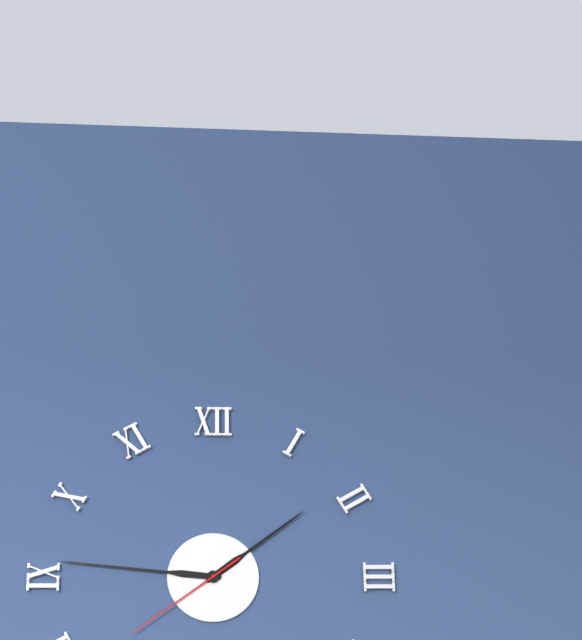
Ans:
1h46m39s
